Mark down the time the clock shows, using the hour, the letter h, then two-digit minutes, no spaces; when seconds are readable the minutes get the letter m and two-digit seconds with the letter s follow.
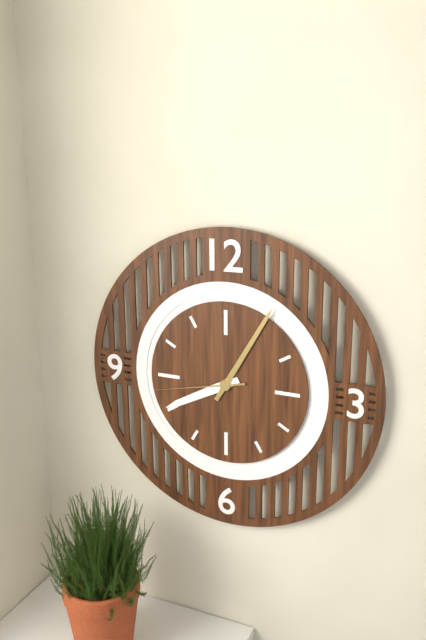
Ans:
8h05m43s
